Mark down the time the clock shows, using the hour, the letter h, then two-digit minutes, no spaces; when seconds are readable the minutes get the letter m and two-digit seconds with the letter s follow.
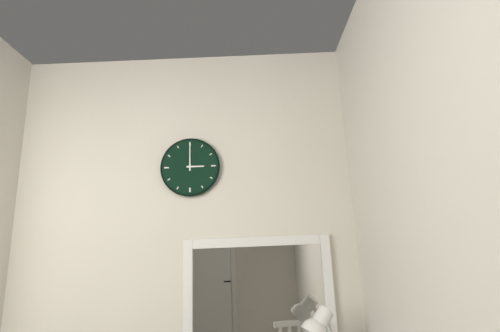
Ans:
3h00
